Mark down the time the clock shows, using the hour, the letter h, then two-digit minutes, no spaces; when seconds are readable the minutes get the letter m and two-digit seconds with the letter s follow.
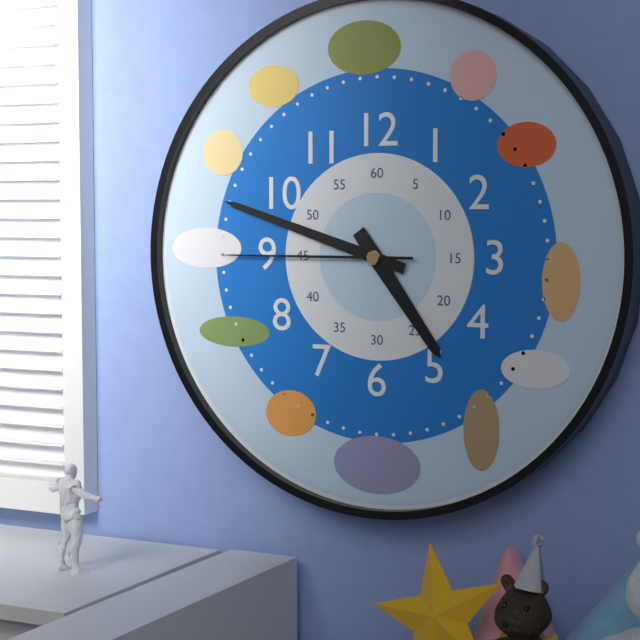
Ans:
4h48m45s
